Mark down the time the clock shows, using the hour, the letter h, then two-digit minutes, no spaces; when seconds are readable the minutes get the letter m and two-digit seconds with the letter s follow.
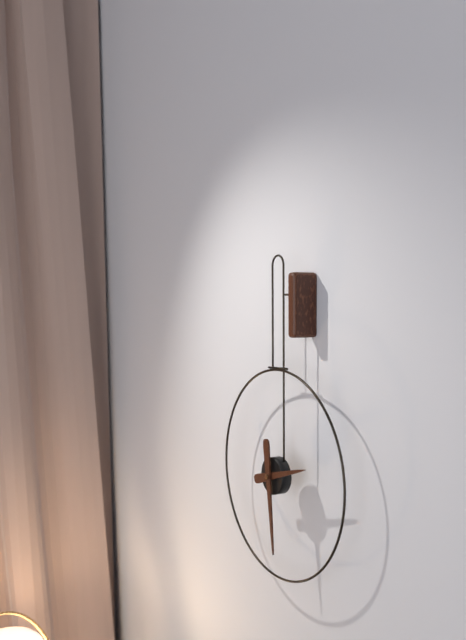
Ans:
2h29
